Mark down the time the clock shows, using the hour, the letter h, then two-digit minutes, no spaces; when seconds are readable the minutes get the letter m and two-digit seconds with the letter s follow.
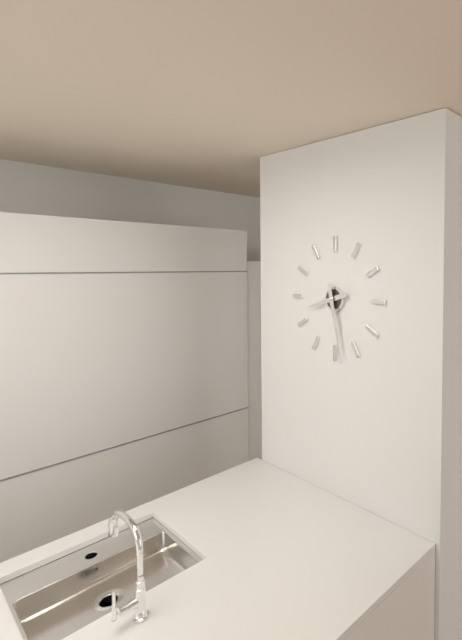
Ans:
8h28
